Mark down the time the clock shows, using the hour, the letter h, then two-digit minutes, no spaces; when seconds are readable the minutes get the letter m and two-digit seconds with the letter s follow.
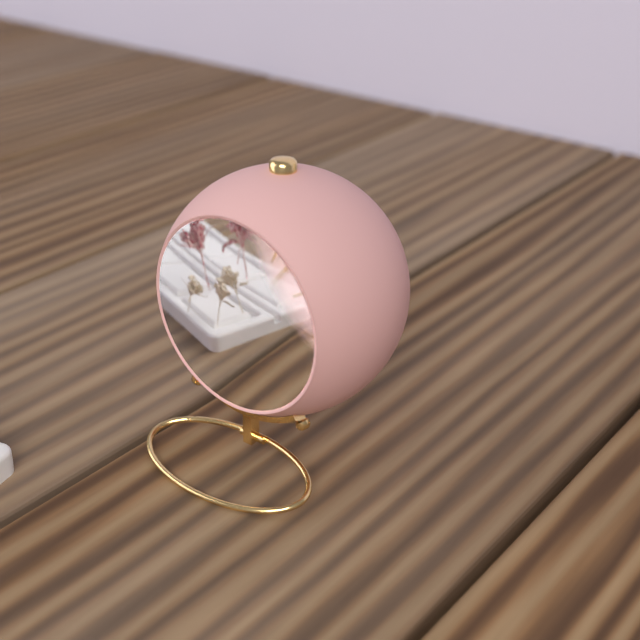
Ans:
7h07m16s
